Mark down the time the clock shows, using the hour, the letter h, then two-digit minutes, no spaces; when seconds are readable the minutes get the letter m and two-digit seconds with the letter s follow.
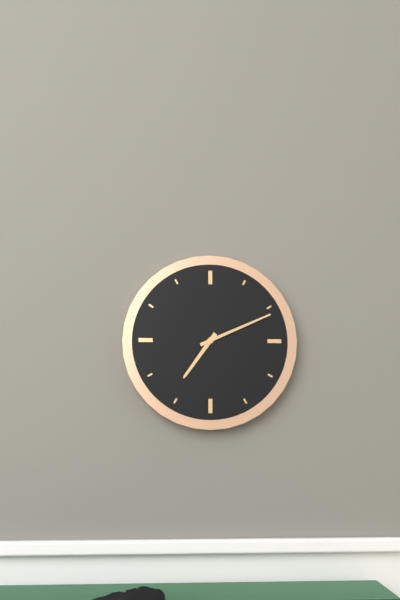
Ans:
7h11
